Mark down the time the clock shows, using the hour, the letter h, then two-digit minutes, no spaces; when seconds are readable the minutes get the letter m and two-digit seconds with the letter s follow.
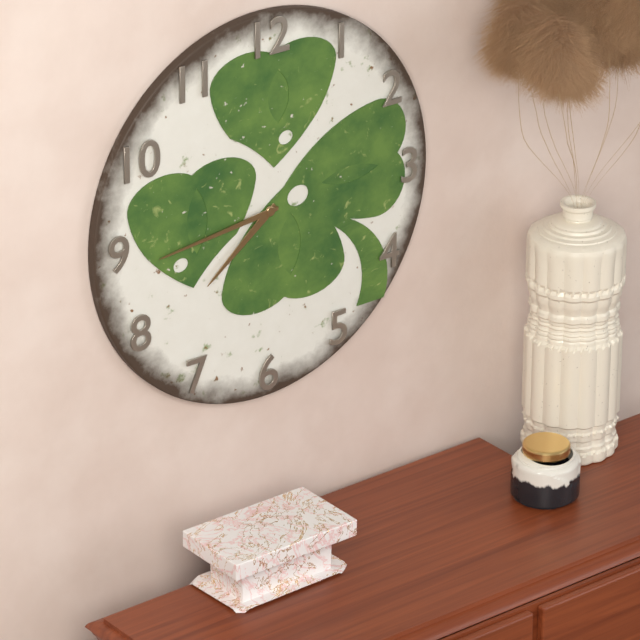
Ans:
7h44
